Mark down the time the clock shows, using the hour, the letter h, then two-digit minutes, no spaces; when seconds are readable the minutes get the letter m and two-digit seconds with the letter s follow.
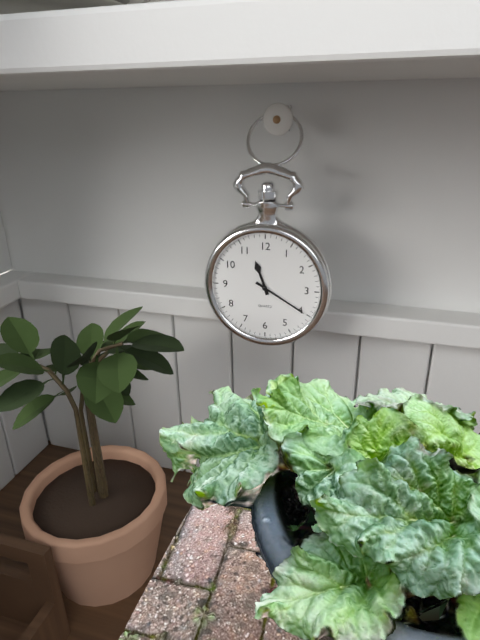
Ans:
11h20
